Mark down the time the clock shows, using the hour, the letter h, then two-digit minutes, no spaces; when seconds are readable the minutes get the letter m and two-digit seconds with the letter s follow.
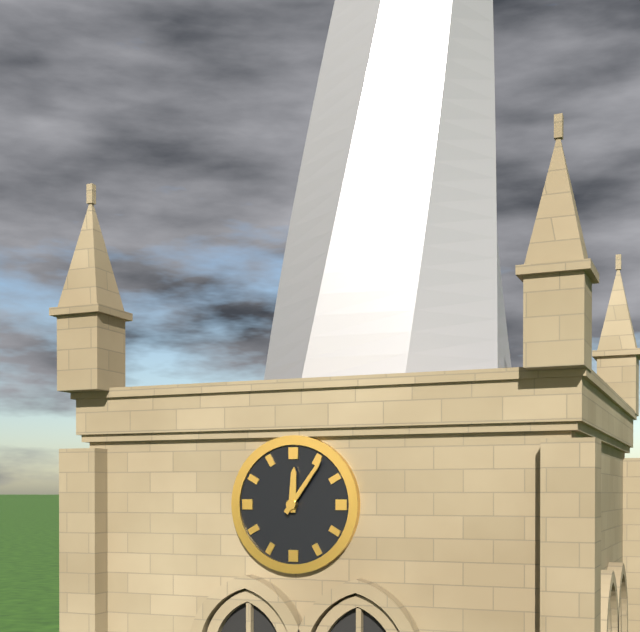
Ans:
12h06
